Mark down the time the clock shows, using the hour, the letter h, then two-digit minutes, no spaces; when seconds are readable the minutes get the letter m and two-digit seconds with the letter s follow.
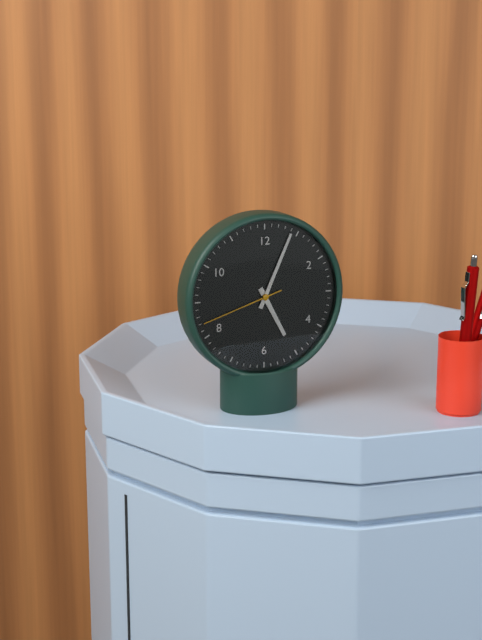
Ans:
5h04m42s
